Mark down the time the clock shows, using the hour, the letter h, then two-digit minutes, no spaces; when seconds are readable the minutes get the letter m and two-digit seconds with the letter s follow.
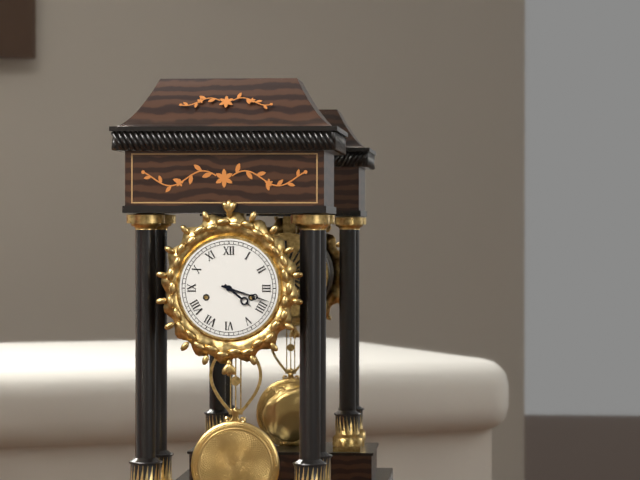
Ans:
4h18
